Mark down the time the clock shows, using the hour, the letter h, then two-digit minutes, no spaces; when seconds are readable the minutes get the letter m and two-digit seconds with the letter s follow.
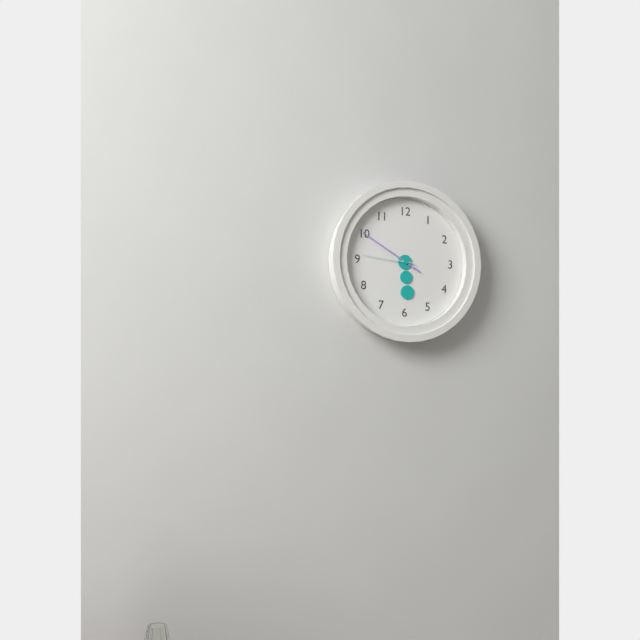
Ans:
5h50m46s
